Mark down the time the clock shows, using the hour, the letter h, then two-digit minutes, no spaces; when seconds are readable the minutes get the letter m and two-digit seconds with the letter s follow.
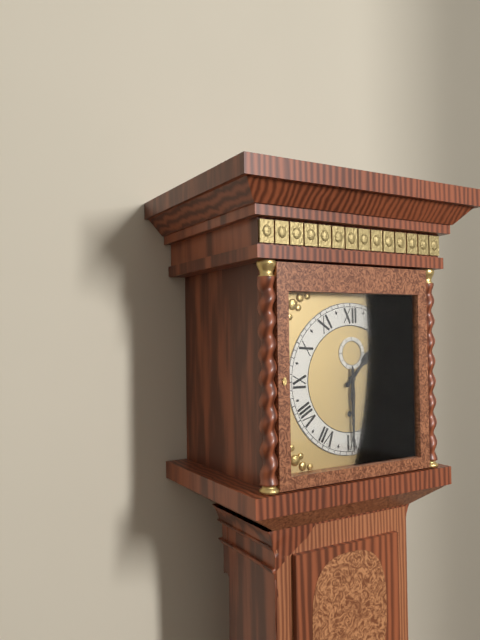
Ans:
1h30
